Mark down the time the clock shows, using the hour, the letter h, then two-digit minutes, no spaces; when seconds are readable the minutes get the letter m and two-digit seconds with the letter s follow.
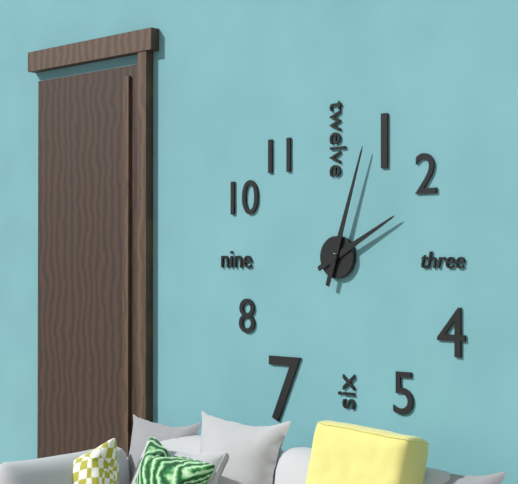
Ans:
2h03
